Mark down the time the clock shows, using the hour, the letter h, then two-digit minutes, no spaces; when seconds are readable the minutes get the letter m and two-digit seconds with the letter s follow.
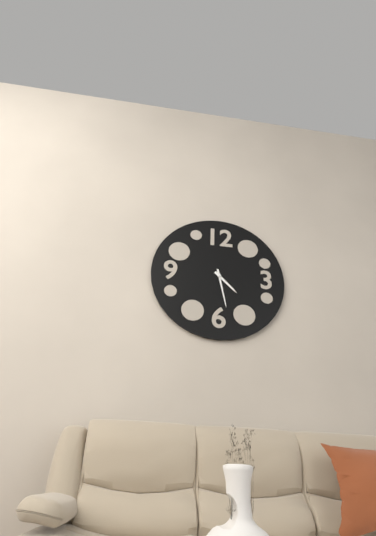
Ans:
4h28
